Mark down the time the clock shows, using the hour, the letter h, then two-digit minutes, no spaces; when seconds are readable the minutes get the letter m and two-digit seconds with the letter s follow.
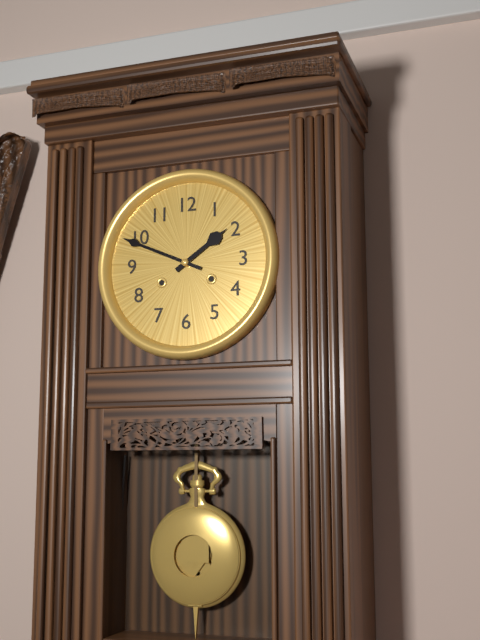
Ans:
1h49
